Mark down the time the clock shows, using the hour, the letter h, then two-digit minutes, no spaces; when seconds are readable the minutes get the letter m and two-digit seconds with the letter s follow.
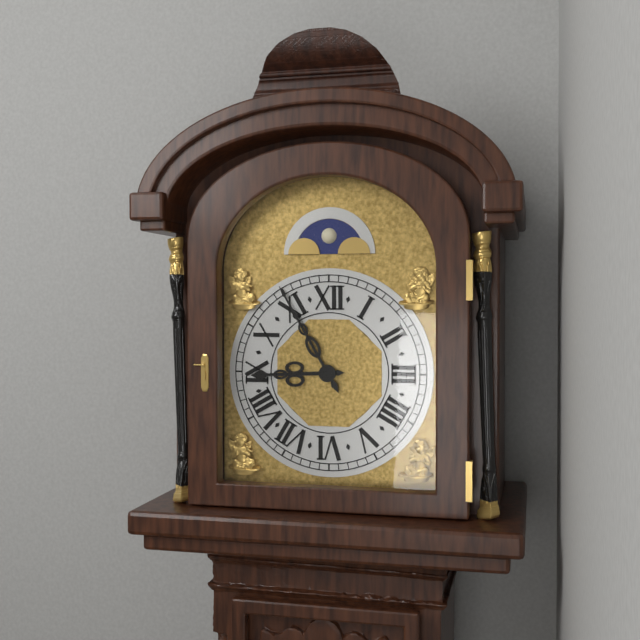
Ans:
8h55
